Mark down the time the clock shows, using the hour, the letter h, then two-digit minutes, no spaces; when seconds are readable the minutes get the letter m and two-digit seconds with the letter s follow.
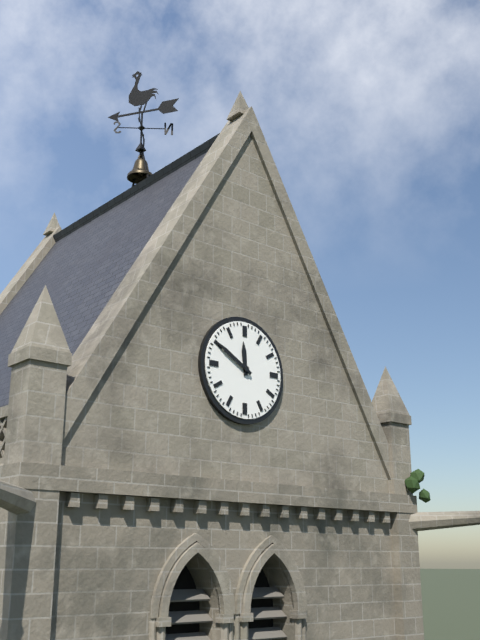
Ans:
11h50
